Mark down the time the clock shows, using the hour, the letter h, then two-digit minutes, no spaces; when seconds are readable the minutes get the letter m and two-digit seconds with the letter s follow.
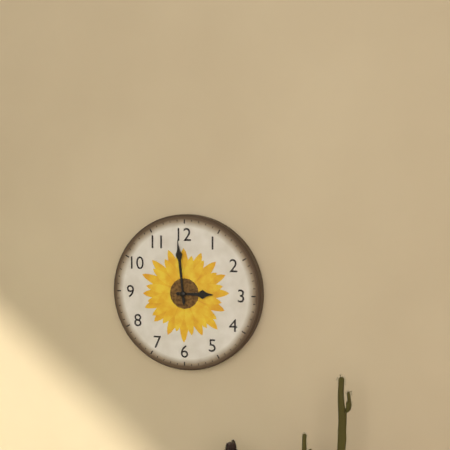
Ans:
2h59
